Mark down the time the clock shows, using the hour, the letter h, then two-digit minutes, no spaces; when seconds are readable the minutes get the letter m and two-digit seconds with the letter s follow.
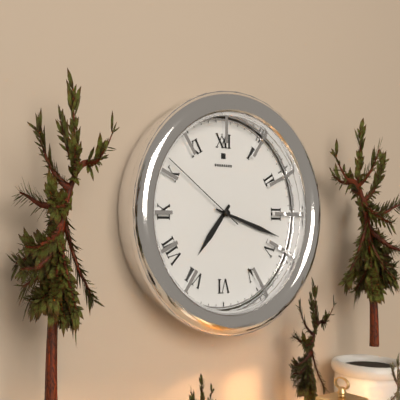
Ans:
7h18m51s
